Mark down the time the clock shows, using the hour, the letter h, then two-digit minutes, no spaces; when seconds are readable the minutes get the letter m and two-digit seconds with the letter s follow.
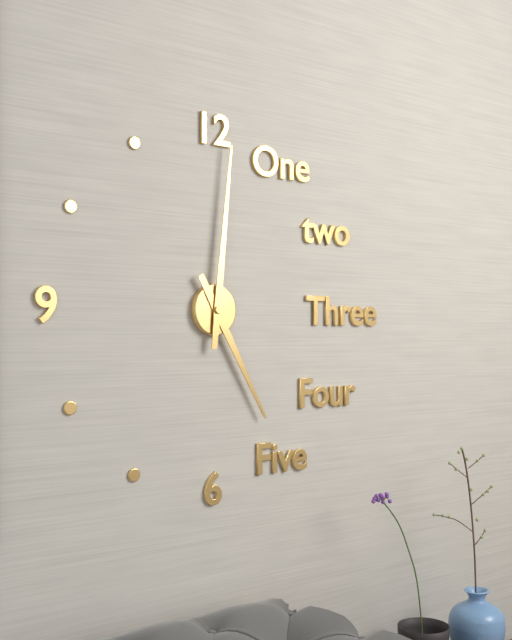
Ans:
5h01
